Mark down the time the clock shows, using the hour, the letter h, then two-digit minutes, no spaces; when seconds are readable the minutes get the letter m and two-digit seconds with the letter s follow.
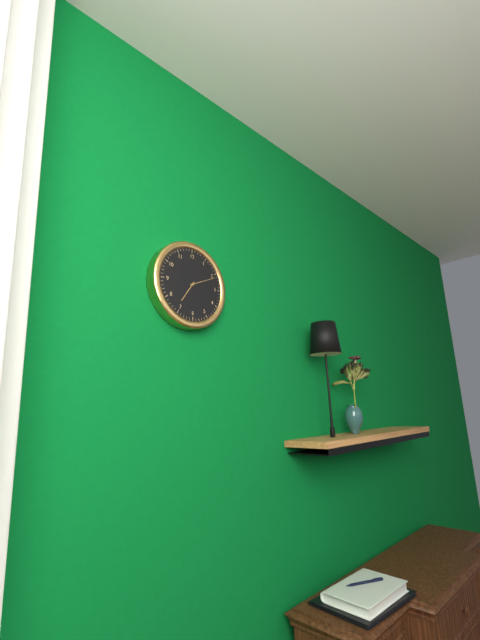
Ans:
7h11
